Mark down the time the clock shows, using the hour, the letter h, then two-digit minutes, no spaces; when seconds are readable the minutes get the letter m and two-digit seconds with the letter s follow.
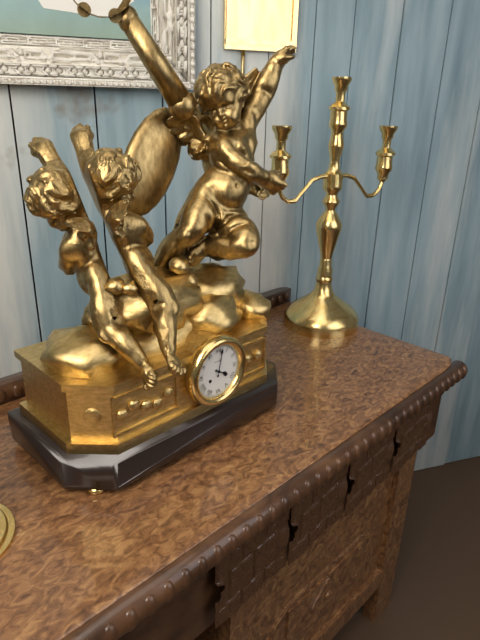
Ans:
4h02
